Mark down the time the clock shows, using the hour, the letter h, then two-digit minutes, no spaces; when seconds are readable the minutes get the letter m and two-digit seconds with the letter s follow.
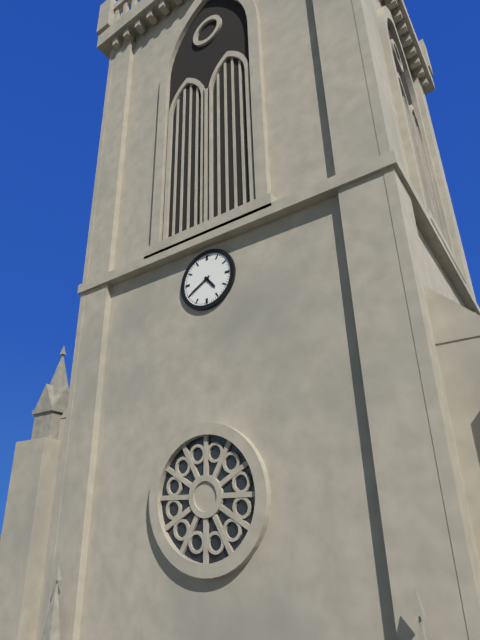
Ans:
4h40
